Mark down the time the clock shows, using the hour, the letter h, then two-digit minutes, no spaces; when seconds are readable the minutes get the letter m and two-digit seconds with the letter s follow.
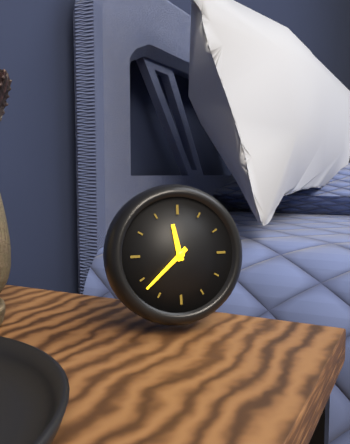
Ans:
11h38
